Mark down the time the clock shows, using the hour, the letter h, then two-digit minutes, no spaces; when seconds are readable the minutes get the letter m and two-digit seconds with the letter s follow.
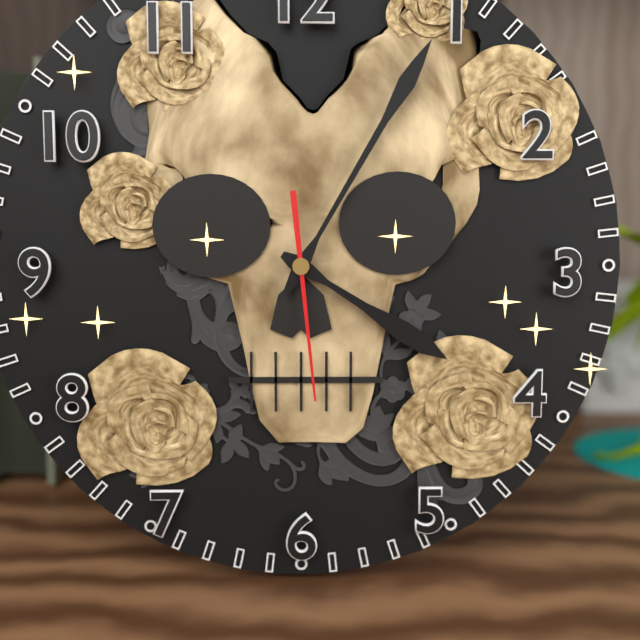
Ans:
4h05m29s
